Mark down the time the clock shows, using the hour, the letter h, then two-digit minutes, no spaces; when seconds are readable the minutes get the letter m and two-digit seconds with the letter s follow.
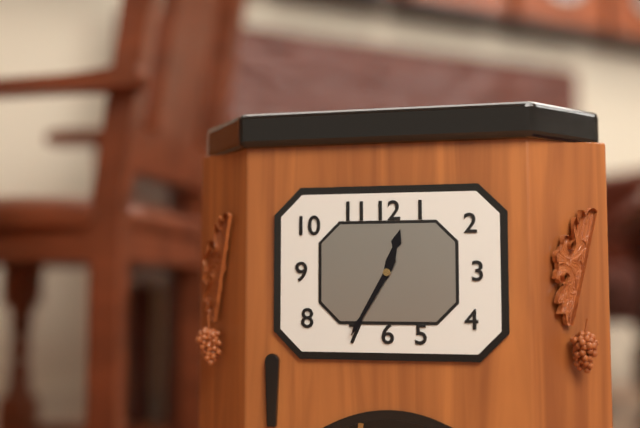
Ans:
12h35
